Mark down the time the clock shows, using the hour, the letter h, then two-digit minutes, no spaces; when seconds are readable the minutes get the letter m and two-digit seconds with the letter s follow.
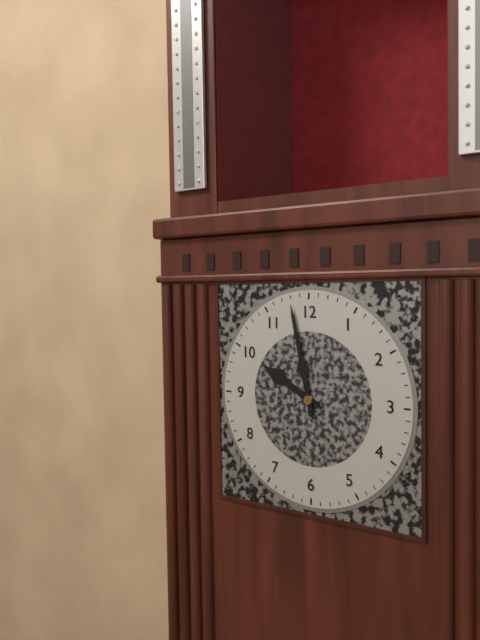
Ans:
9h58
